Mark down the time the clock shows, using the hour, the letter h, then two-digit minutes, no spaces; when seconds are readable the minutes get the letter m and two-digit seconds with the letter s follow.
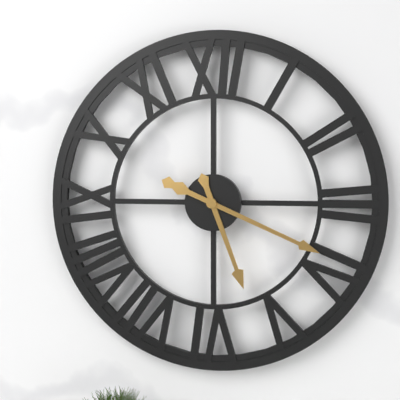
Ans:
5h19
